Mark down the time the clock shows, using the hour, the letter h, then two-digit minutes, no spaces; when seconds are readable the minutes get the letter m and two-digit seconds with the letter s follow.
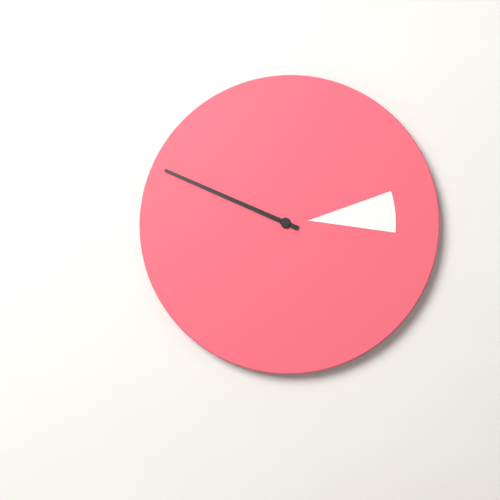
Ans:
2h49
